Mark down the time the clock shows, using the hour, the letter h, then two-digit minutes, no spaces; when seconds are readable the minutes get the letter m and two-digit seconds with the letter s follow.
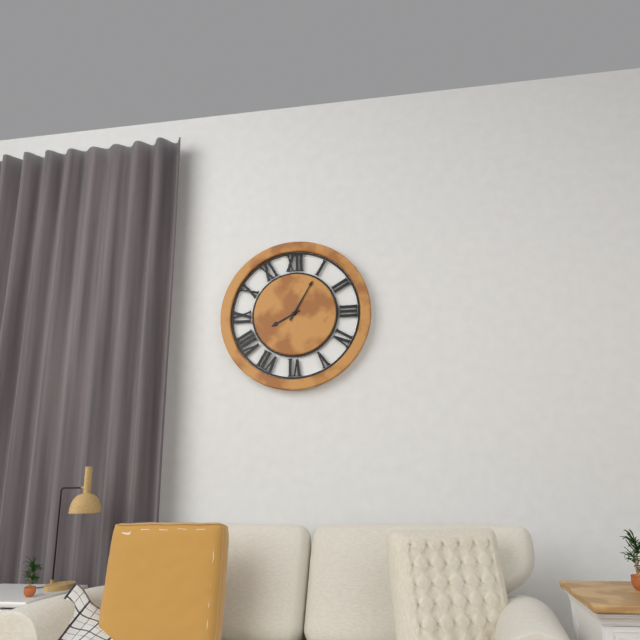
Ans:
8h05
